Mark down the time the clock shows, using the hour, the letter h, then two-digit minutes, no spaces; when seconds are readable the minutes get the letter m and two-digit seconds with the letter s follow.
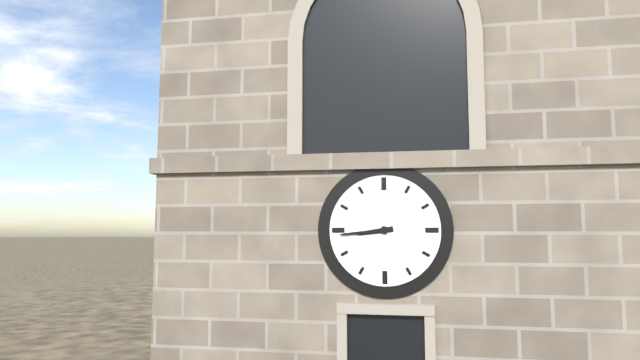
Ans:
8h44
